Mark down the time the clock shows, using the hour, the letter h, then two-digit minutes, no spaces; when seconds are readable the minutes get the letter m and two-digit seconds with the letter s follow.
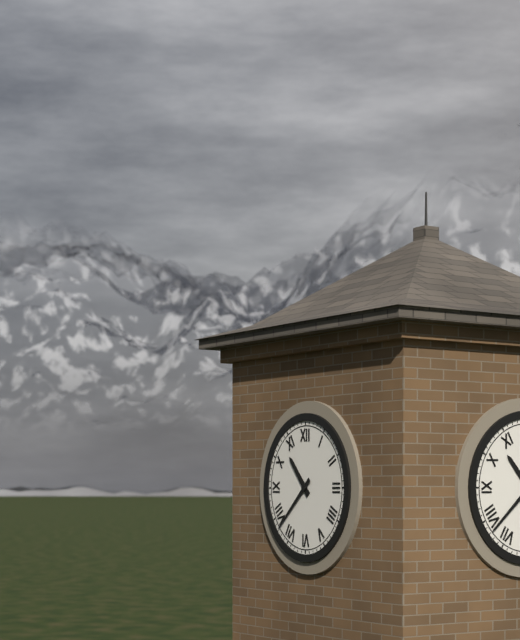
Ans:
10h38
